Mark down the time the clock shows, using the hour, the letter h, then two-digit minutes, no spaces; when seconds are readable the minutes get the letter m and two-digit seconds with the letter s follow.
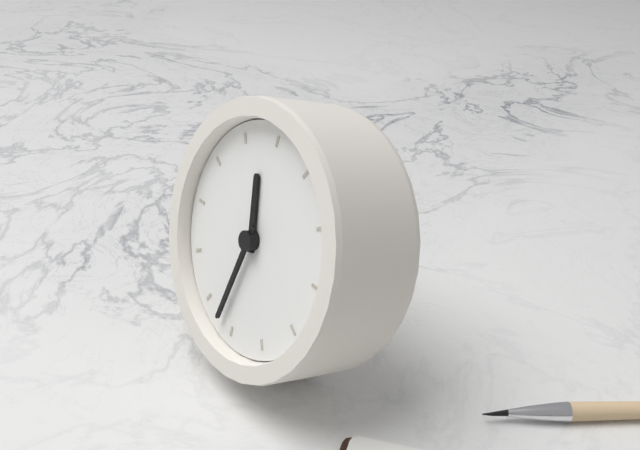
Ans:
11h32
